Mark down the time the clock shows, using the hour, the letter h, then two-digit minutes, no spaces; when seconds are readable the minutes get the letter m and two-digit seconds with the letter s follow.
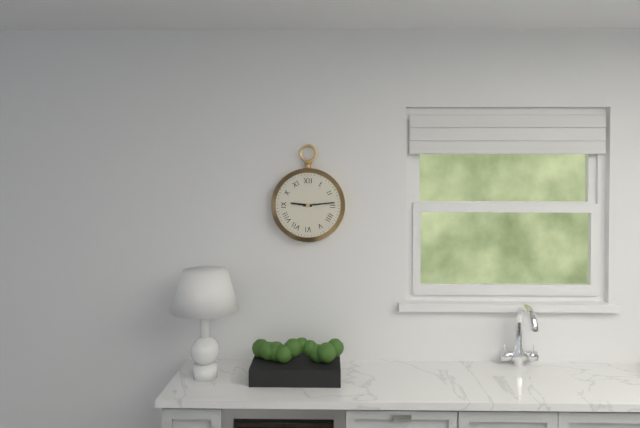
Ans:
9h14
